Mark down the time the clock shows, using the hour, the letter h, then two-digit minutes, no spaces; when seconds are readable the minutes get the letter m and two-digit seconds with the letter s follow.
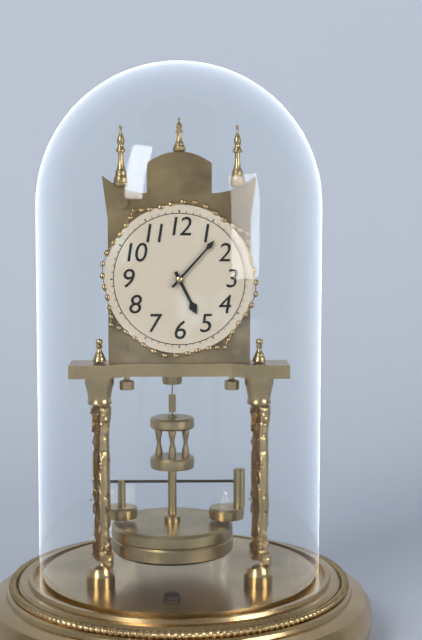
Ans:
5h07
